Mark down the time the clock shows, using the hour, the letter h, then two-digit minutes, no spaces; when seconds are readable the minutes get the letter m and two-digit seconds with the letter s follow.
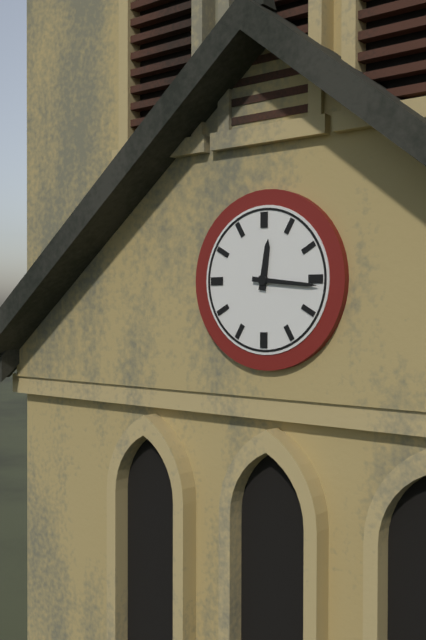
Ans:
12h16
